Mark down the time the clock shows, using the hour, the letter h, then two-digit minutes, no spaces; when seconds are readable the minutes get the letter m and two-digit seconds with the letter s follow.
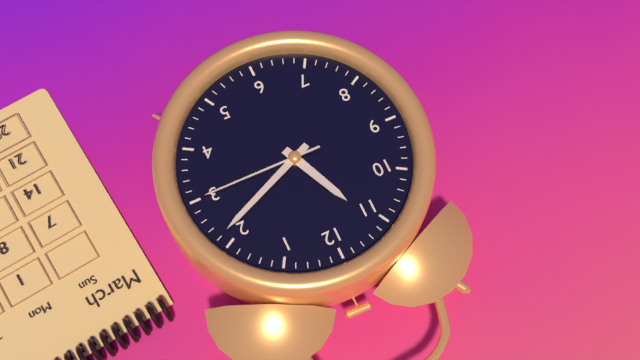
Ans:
11h11m15s
